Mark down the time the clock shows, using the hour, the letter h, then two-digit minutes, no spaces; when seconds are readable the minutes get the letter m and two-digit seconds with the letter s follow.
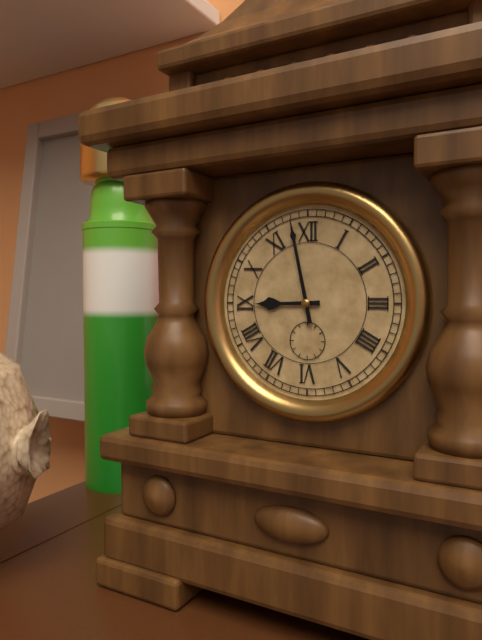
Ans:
8h58
